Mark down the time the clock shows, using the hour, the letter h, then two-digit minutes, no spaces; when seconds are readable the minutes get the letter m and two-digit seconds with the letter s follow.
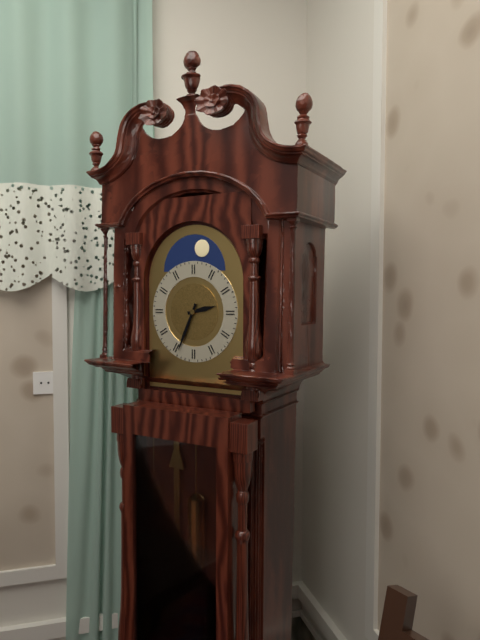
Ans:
2h34
